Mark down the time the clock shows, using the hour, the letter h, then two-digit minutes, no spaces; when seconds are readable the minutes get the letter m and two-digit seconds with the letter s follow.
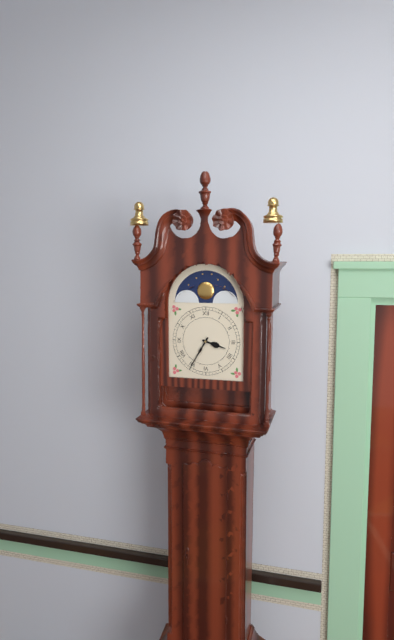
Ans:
3h35
